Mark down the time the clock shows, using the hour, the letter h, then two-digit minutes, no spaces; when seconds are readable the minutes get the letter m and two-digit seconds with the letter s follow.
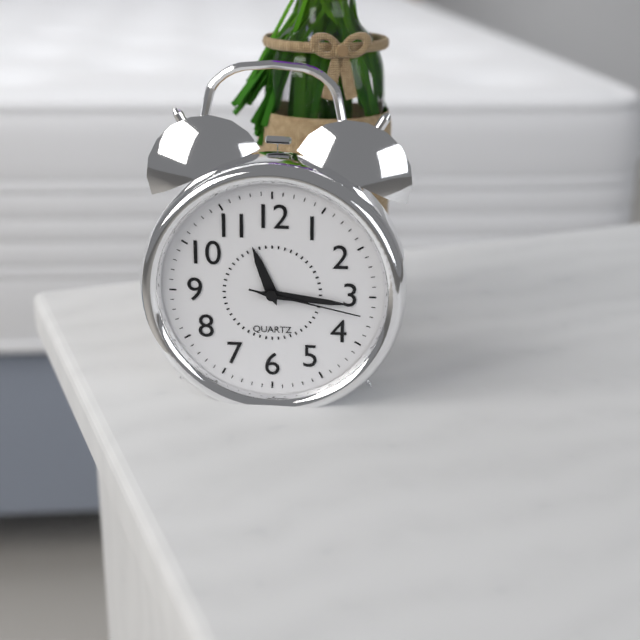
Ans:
11h16m17s
